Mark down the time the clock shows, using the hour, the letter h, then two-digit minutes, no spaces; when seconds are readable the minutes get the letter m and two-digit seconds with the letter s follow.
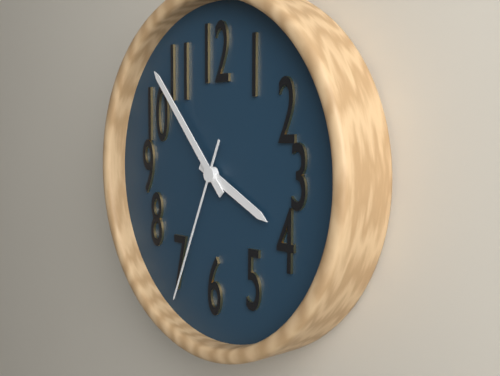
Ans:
3h53m34s
